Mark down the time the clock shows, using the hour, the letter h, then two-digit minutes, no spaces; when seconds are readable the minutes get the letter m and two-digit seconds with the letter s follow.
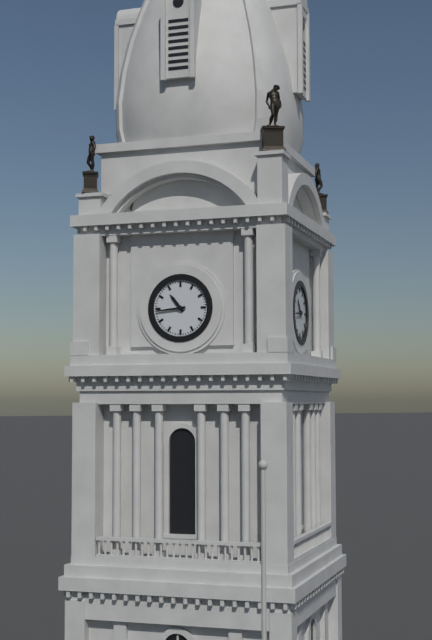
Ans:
10h44
